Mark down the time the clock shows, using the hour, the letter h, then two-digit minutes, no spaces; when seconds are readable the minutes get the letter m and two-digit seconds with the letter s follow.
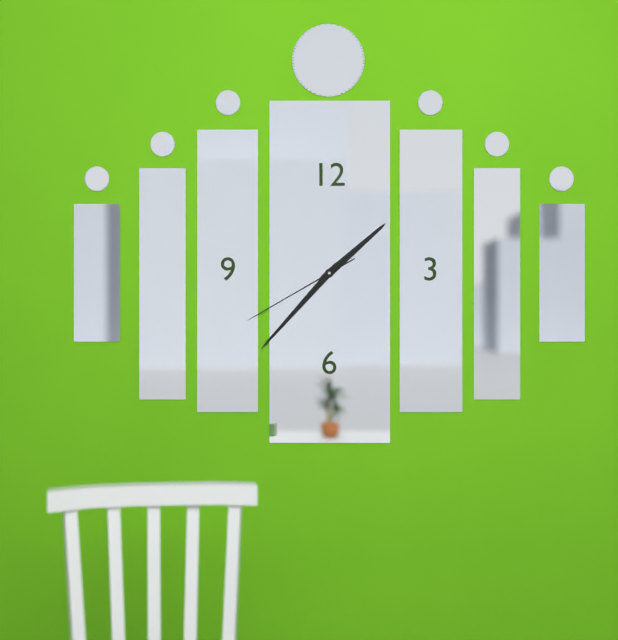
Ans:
1h37m40s
